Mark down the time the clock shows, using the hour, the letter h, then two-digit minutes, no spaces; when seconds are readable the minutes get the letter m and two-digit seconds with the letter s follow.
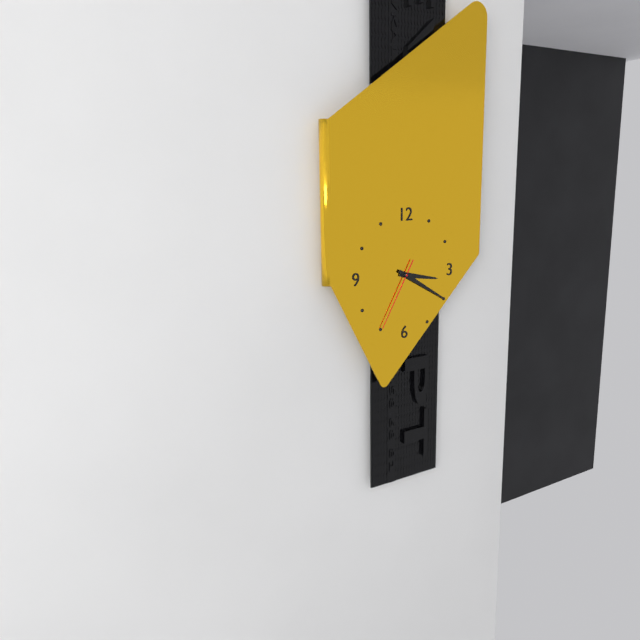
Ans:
3h20m35s
